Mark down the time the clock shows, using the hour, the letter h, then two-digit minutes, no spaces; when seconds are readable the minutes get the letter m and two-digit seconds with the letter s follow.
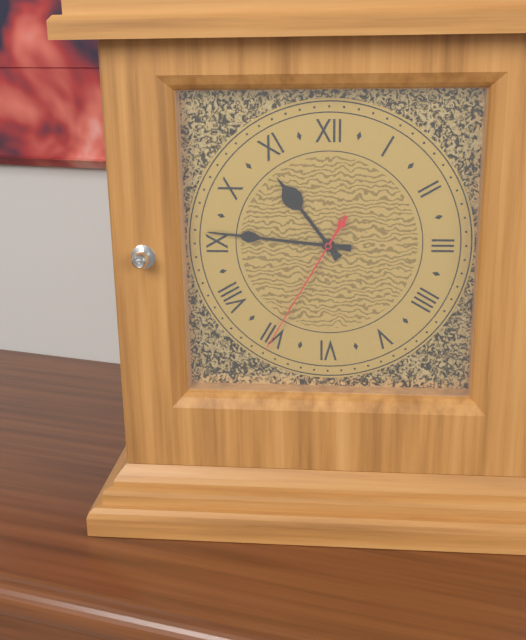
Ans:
10h46m35s
